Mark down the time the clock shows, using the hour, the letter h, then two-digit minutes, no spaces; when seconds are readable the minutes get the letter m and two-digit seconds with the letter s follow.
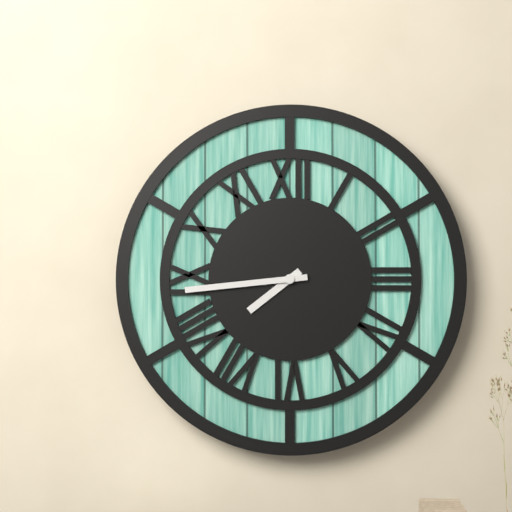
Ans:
7h44
